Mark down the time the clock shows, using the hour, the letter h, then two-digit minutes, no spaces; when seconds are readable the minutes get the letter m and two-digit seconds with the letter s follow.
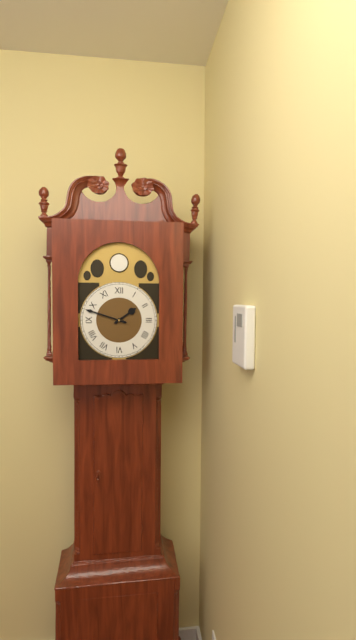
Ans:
1h48
